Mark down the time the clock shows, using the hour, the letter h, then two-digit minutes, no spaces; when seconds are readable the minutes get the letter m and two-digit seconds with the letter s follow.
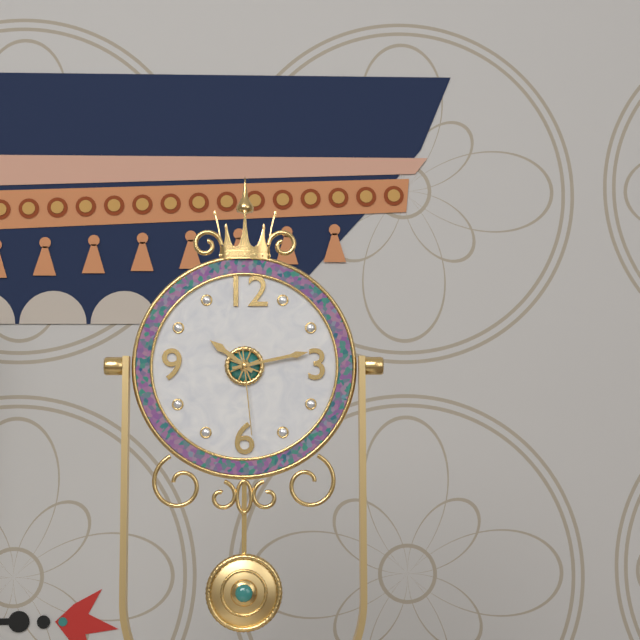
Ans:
10h13m29s
